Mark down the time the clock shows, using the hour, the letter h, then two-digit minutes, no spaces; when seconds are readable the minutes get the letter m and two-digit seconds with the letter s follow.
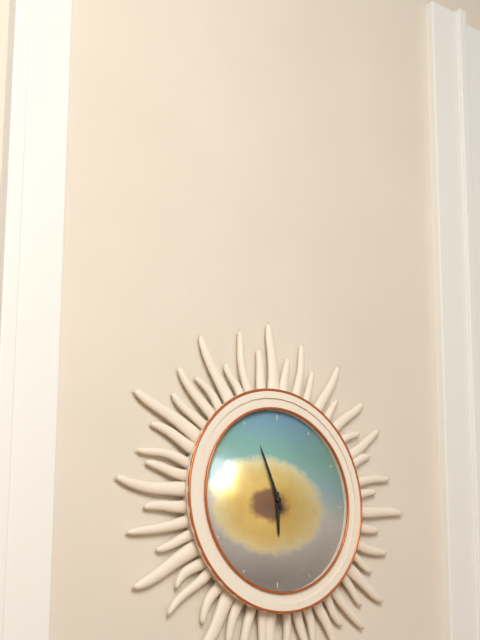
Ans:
5h56
